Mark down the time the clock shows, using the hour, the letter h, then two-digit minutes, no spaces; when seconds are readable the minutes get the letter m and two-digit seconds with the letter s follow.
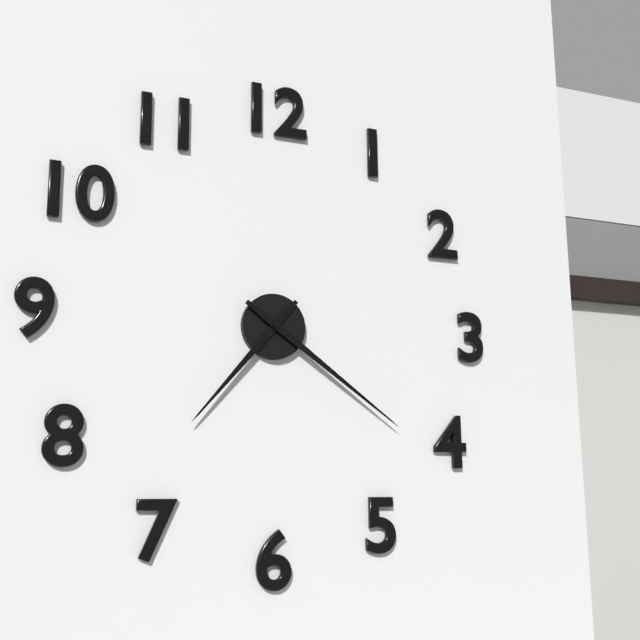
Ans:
7h21
